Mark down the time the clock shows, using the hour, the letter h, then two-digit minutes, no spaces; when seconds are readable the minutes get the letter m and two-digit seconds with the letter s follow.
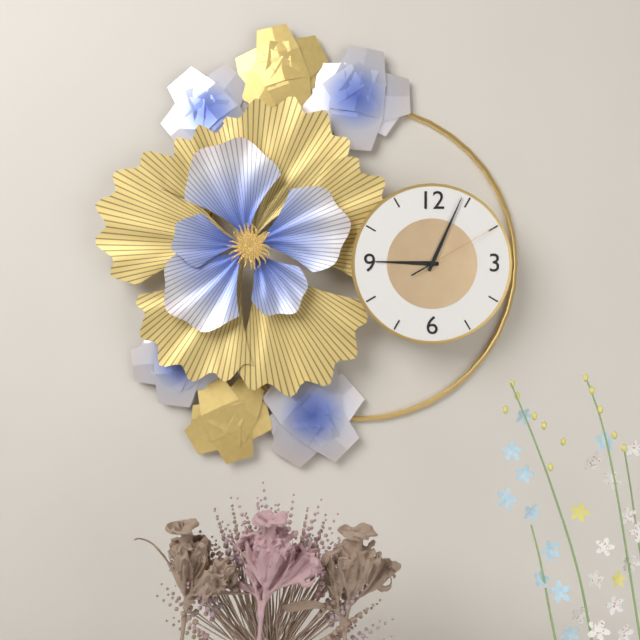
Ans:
9h04m10s
